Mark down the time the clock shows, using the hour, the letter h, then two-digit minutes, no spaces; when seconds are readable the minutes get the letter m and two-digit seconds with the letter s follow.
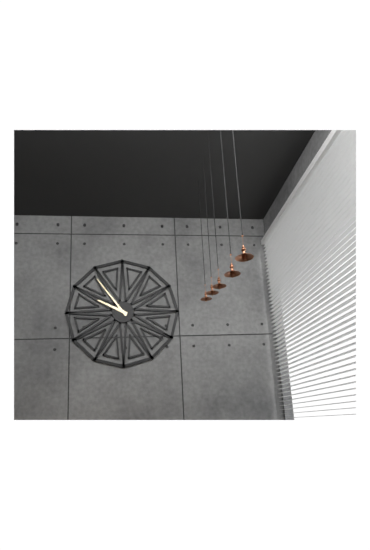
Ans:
9h54
